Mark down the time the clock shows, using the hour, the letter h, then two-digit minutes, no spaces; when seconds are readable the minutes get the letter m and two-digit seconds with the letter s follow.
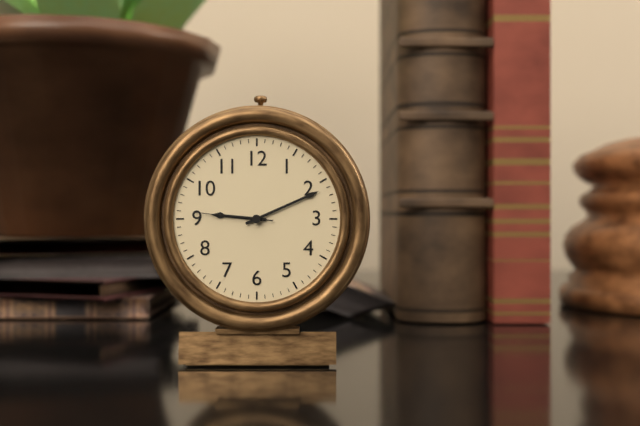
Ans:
9h11m46s
